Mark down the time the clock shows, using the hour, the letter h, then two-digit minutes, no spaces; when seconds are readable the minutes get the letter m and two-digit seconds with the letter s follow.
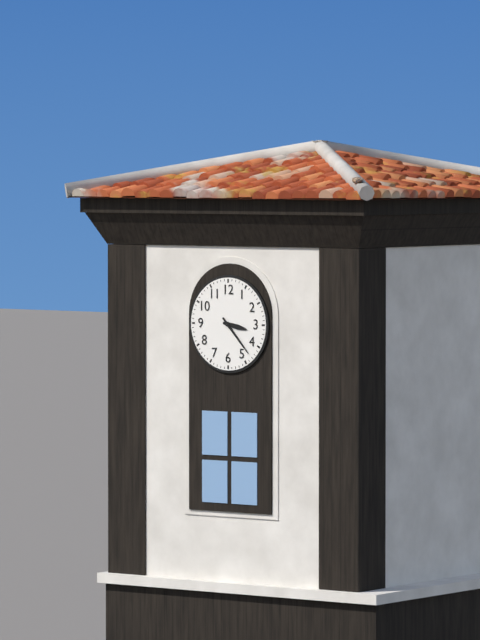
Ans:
3h23
